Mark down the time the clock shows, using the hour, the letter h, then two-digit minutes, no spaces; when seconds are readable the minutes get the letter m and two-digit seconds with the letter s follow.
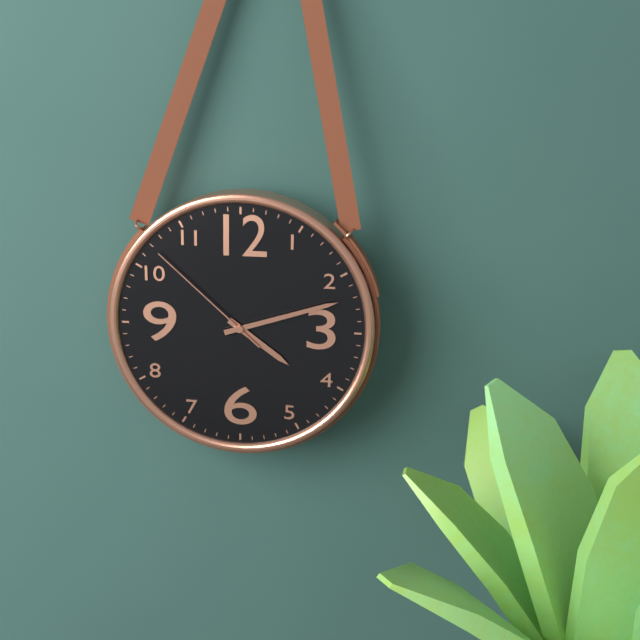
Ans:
4h12m52s
